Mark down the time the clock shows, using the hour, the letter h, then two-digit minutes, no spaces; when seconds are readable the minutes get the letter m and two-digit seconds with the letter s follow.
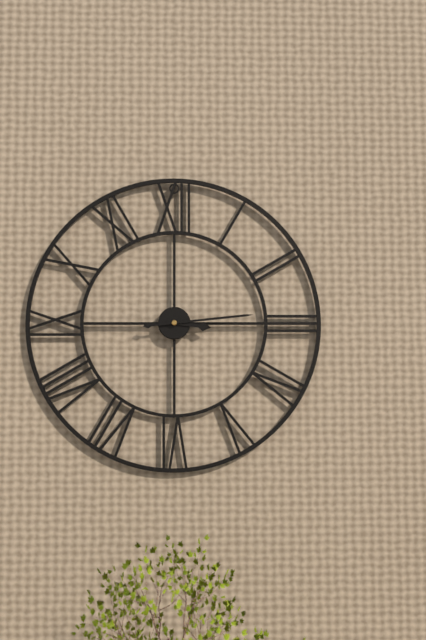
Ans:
3h14
